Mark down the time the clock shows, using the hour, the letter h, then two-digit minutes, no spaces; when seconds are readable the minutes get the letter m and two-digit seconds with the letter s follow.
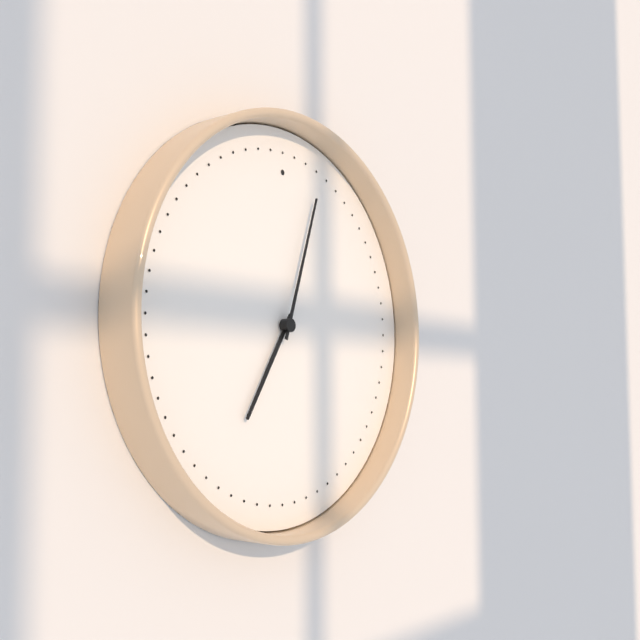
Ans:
7h03
